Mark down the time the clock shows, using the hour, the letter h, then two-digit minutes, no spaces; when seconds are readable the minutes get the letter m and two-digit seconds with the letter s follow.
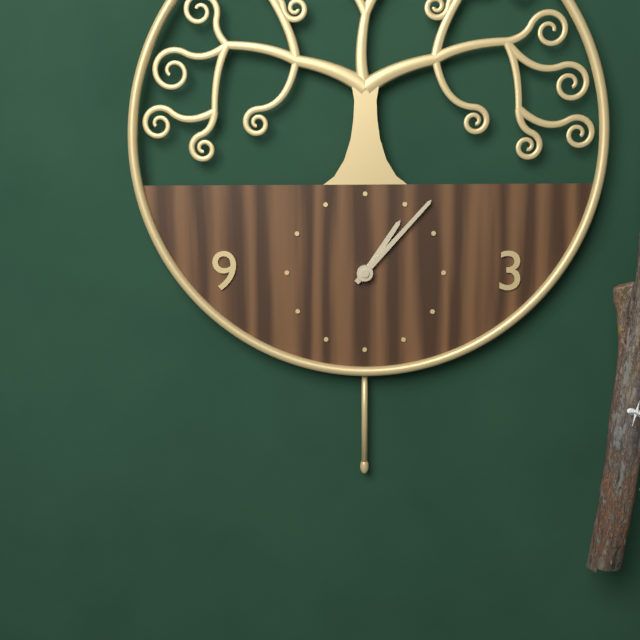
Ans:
1h07
